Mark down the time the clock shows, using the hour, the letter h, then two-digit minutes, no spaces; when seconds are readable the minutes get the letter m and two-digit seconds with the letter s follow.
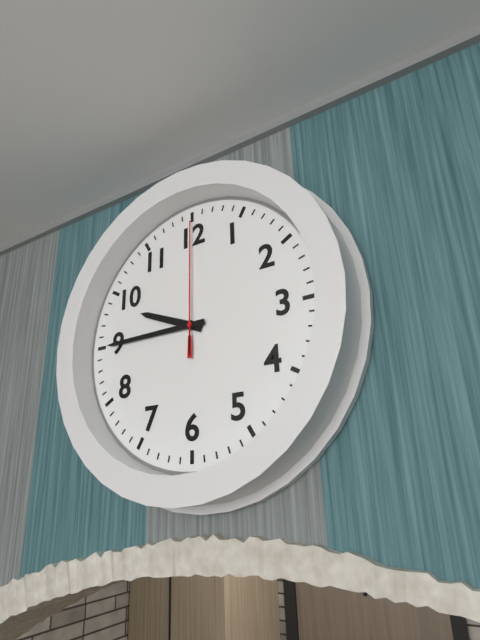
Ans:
9h45m00s
